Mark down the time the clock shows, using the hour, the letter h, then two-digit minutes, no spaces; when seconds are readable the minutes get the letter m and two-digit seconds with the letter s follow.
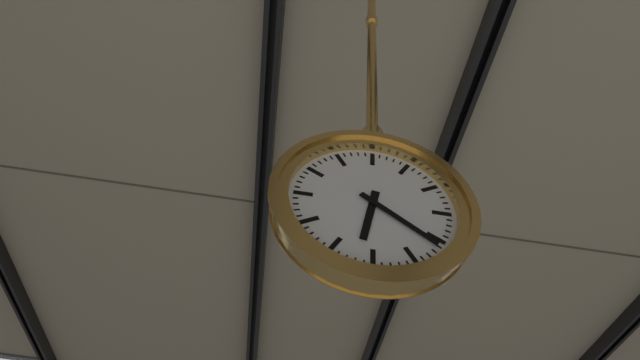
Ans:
6h21
